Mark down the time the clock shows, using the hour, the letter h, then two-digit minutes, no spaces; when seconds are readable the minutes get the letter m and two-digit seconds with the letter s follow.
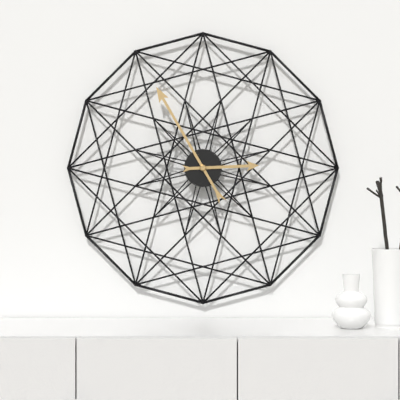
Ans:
2h55
